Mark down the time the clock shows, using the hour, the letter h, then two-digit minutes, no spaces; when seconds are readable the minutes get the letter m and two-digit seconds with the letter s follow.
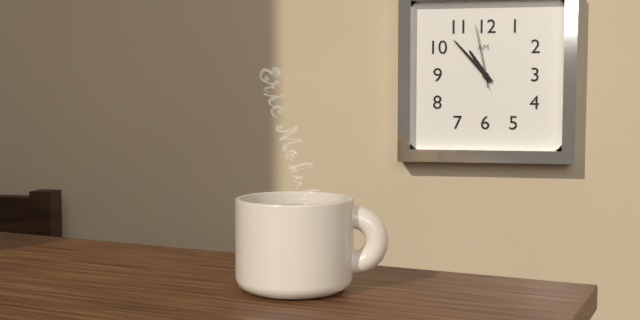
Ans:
10h53m58s
